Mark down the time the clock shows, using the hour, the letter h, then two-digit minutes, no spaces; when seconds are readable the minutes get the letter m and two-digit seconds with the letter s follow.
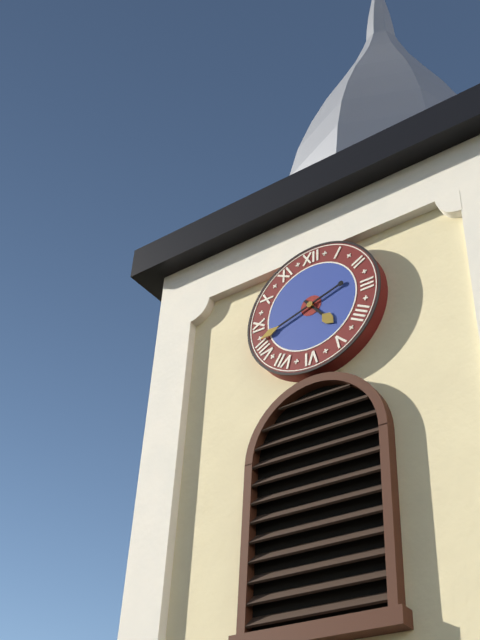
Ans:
4h42
